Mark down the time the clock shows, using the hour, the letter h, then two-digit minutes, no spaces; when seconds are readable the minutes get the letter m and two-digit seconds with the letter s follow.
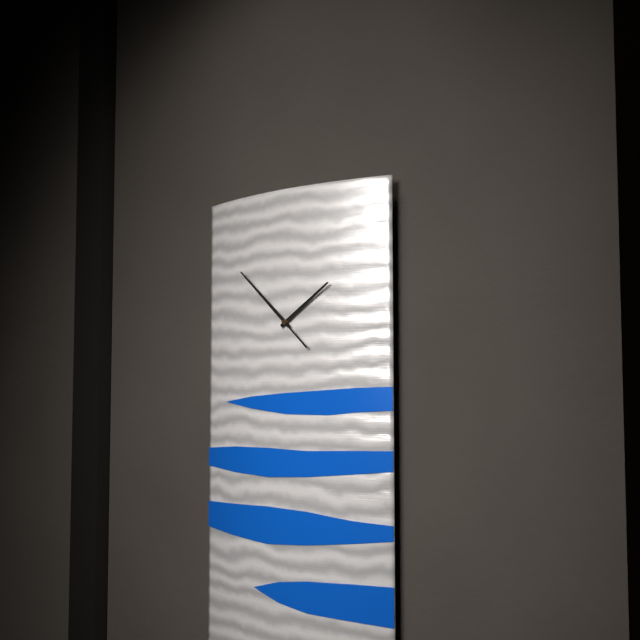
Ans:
1h52m52s
